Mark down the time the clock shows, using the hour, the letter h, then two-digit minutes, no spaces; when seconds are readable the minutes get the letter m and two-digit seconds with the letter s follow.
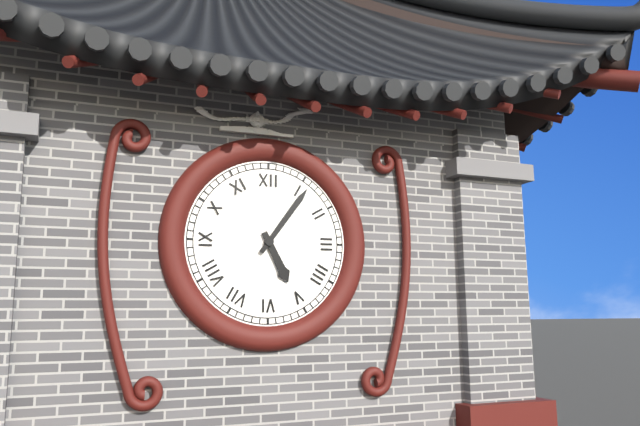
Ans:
5h06
